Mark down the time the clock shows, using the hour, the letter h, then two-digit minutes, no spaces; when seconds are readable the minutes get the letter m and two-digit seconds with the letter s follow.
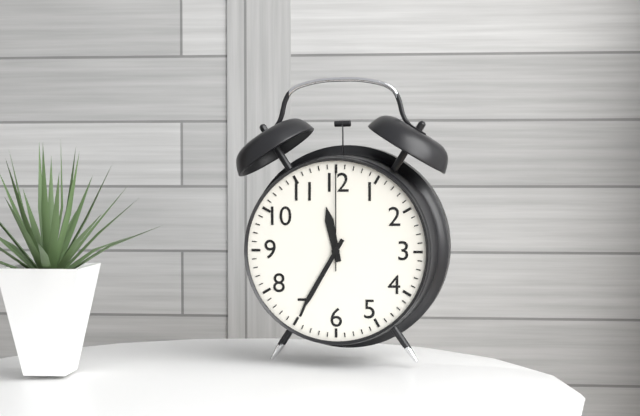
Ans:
11h35m00s
